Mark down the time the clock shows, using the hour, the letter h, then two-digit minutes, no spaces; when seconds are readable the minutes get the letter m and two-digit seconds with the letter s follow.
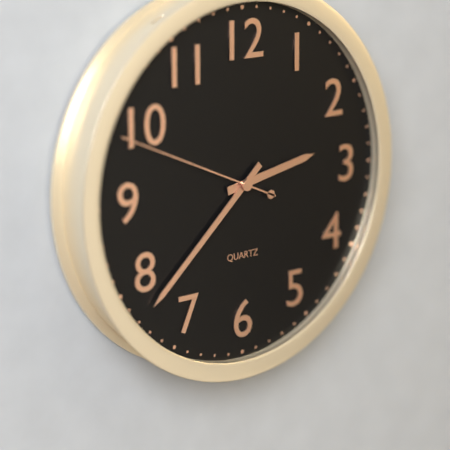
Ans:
2h38m49s
